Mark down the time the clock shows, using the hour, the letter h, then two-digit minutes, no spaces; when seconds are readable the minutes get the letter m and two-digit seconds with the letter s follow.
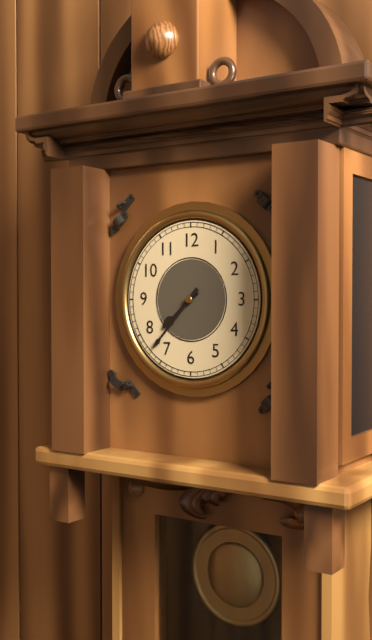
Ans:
7h37
